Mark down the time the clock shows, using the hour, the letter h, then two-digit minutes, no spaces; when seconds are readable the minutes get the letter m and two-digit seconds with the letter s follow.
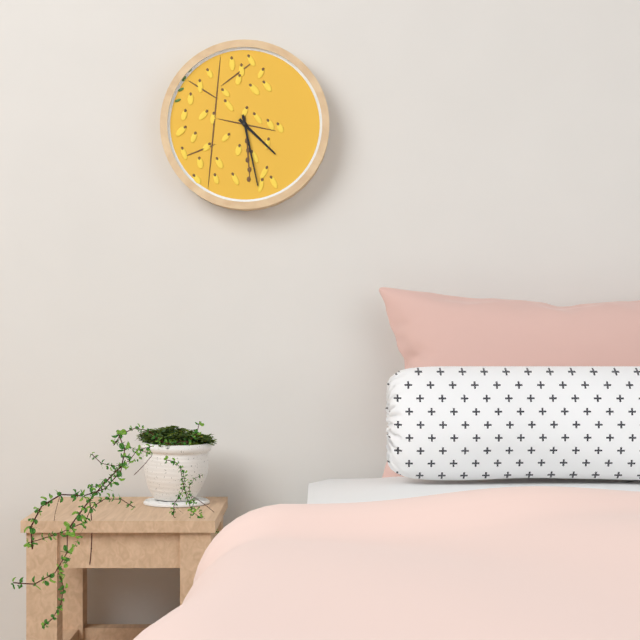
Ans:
4h28
